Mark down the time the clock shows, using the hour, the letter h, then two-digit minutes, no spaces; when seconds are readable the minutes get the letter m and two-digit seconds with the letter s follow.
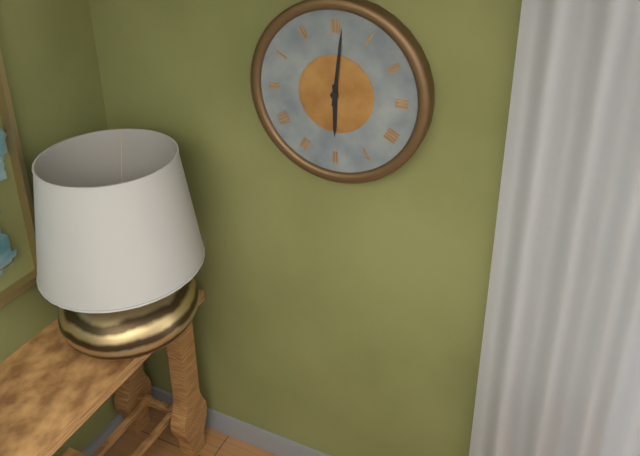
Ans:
6h01
